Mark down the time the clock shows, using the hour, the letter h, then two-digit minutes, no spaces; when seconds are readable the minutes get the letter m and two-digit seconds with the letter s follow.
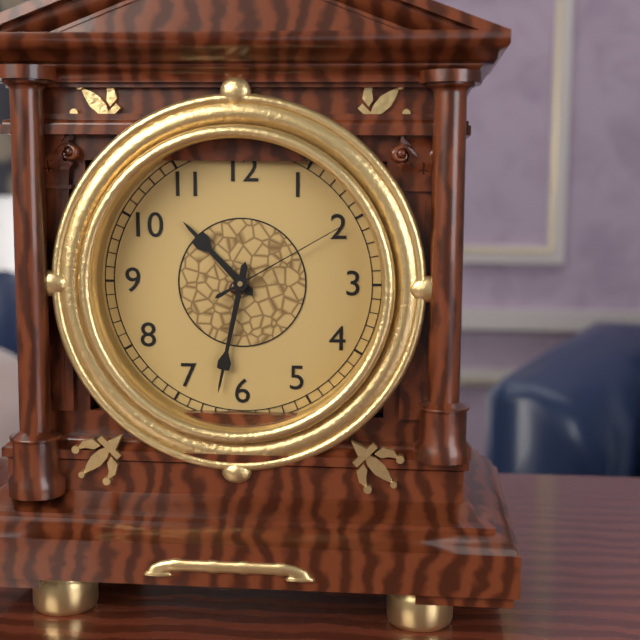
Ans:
10h32m10s
